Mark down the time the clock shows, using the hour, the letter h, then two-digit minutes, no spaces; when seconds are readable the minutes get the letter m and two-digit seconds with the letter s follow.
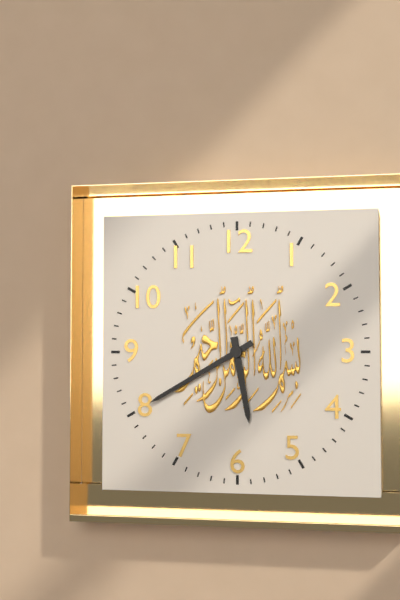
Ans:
5h40
